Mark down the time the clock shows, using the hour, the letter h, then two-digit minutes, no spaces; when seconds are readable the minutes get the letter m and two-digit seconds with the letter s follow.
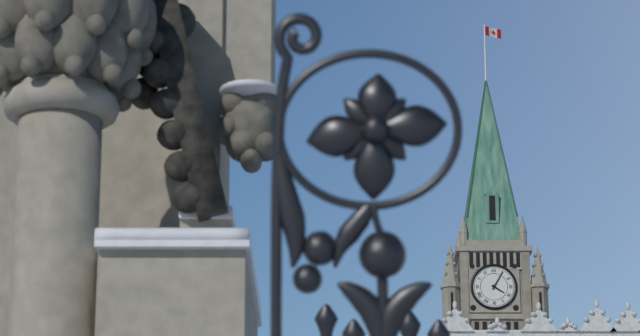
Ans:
4h05
